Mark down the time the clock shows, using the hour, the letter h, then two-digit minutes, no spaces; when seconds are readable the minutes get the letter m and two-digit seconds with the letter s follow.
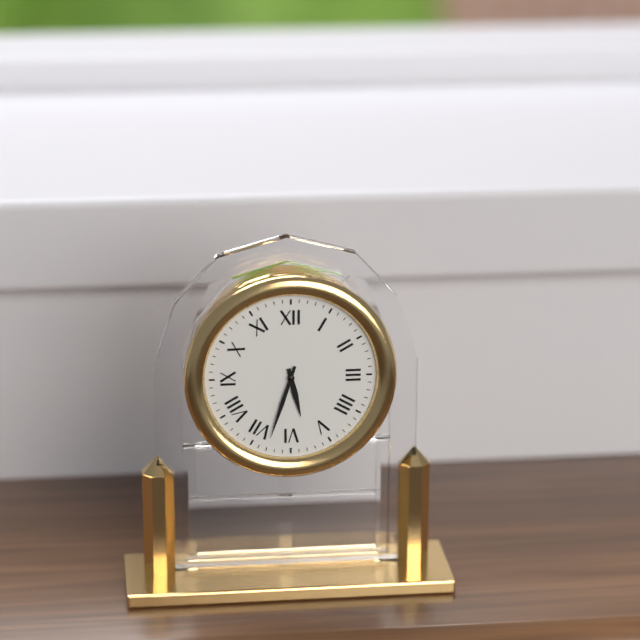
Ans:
5h33
